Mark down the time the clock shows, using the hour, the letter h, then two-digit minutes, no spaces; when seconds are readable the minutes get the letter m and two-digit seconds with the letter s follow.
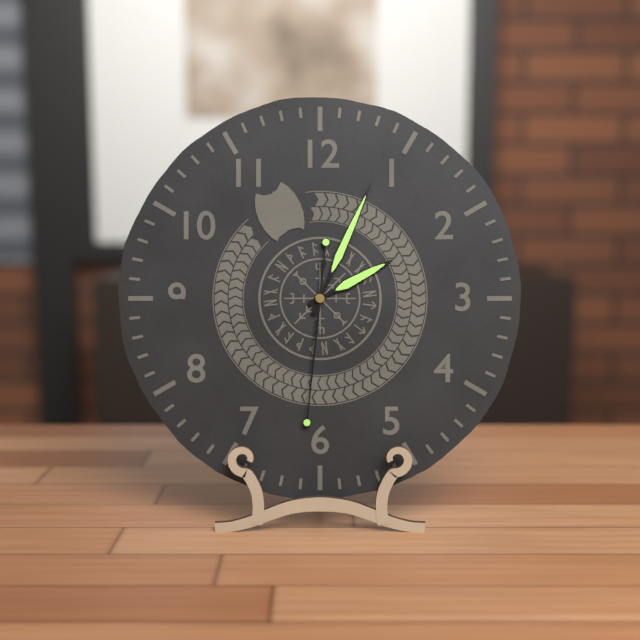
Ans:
2h04m31s
